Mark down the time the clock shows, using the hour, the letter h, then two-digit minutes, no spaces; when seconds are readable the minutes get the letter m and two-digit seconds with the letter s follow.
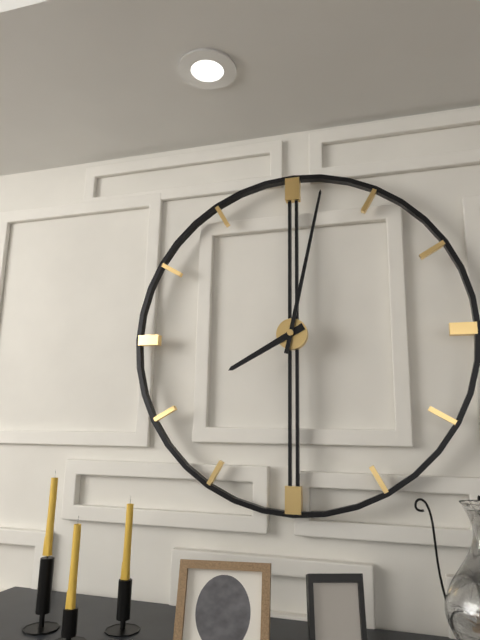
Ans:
8h02
